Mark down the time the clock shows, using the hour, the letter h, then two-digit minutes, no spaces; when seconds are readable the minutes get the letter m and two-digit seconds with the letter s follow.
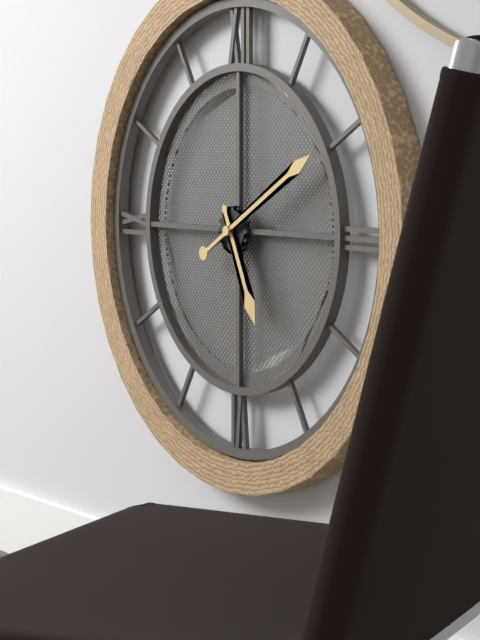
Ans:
5h10
